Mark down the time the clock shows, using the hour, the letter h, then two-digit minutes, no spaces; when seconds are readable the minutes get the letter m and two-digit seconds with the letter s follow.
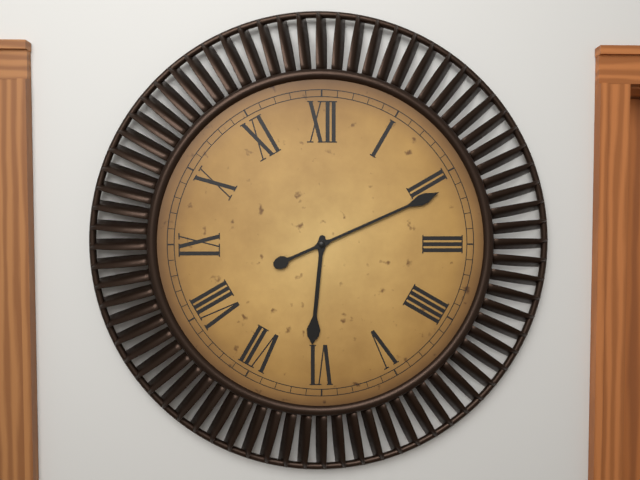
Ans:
6h11
